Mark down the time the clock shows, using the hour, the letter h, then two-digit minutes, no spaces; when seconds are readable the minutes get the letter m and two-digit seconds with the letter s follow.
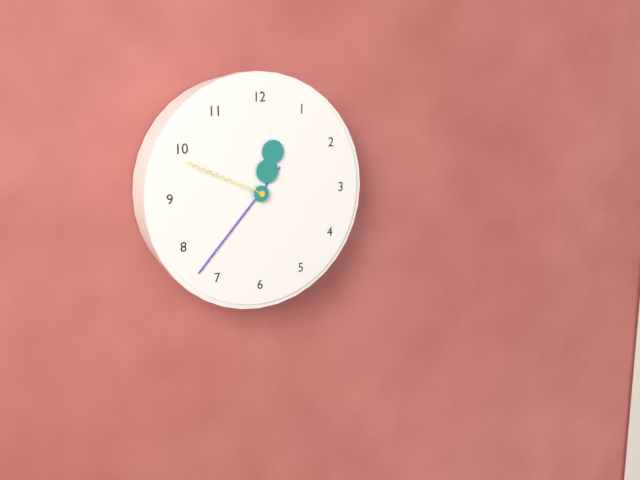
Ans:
12h37m49s
